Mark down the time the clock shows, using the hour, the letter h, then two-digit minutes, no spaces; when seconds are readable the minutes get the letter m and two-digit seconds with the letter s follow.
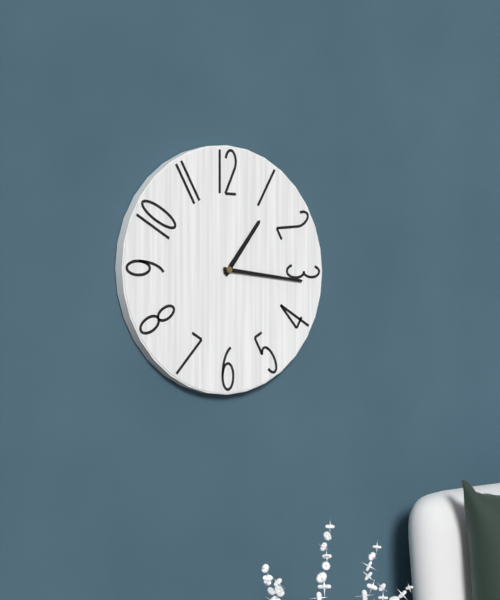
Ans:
1h16
